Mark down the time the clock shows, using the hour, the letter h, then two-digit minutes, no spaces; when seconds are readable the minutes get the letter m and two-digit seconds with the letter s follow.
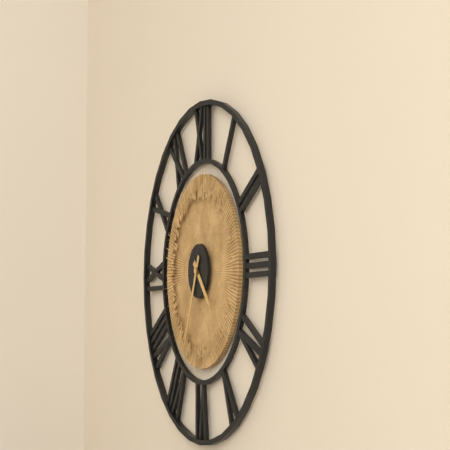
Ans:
4h34
